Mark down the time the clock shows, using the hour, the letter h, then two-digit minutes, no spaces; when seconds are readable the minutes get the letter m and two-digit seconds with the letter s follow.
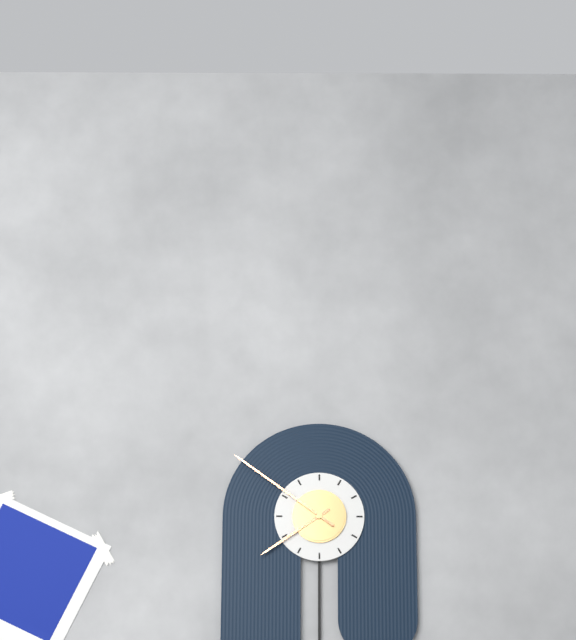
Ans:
7h51
